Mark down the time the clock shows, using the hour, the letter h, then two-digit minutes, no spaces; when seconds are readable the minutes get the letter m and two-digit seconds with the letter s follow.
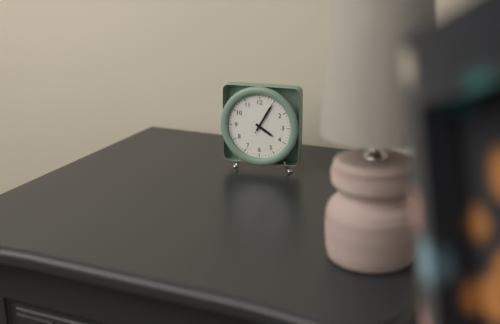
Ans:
4h05
